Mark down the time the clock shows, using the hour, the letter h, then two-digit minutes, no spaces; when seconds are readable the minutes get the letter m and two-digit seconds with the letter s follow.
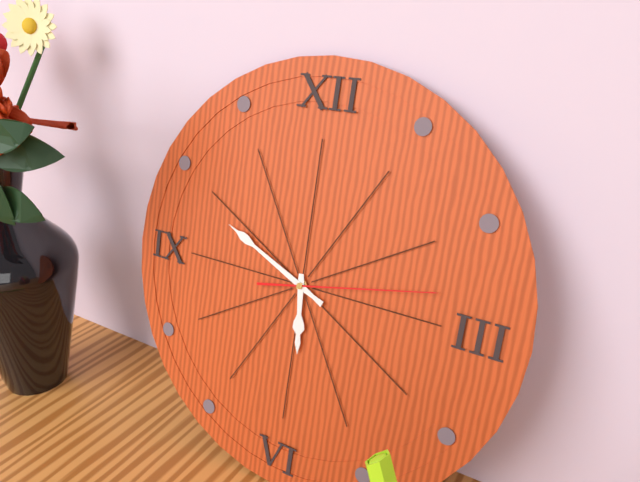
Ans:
5h49m13s
